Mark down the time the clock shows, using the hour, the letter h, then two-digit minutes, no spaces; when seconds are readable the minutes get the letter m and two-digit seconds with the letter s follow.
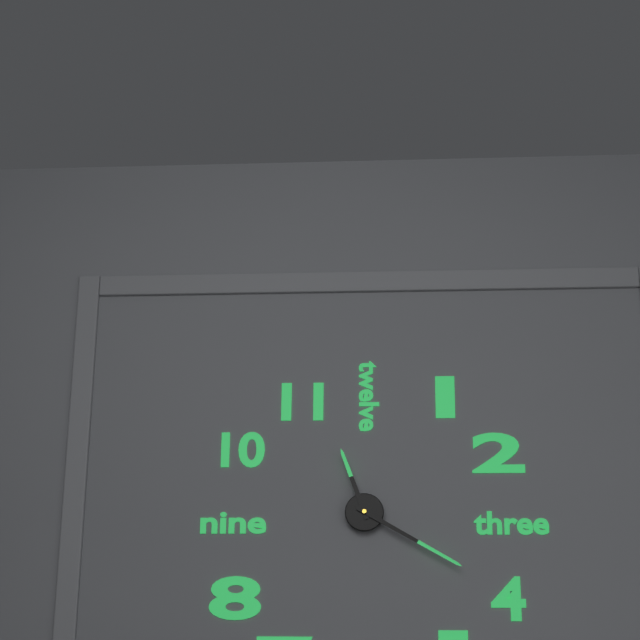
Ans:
11h20
